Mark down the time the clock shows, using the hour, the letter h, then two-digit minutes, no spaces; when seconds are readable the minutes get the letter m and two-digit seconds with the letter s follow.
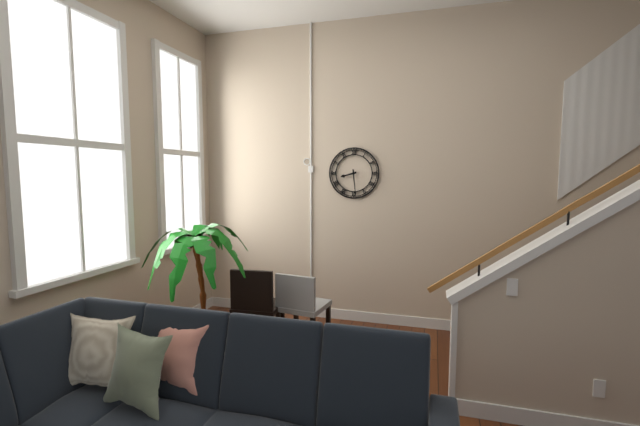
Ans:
8h29
